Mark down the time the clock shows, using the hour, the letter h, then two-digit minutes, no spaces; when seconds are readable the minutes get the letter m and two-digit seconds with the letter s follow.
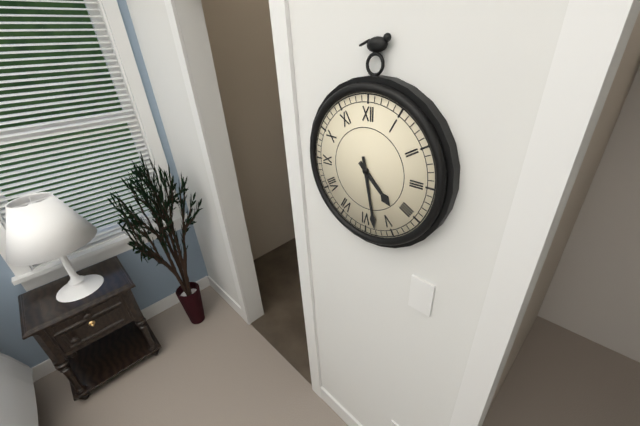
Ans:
4h28
